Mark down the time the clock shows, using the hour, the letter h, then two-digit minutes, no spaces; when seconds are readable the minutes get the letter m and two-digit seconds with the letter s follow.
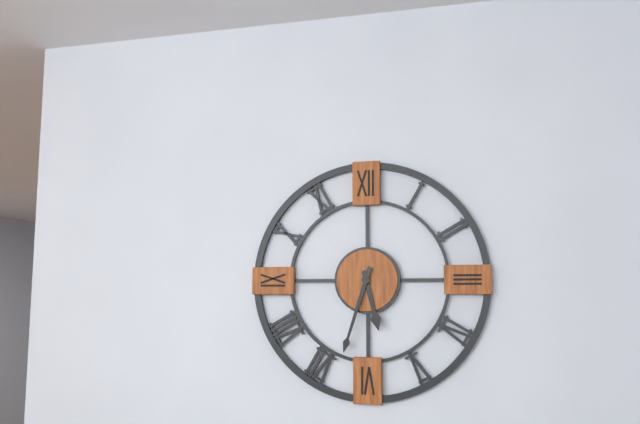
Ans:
5h33
